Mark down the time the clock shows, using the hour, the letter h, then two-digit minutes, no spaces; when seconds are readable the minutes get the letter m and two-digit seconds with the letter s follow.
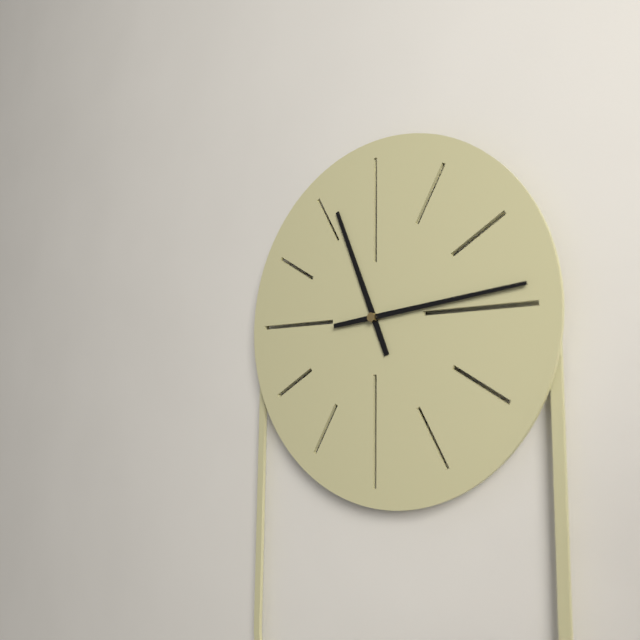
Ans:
11h14
